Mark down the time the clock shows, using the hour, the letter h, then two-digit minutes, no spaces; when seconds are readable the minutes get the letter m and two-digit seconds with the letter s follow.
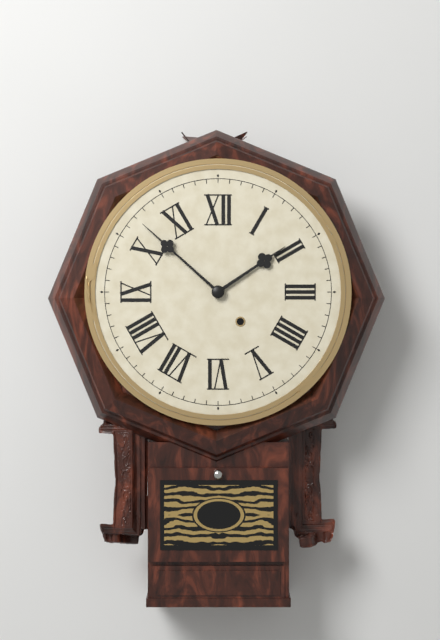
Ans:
1h52
